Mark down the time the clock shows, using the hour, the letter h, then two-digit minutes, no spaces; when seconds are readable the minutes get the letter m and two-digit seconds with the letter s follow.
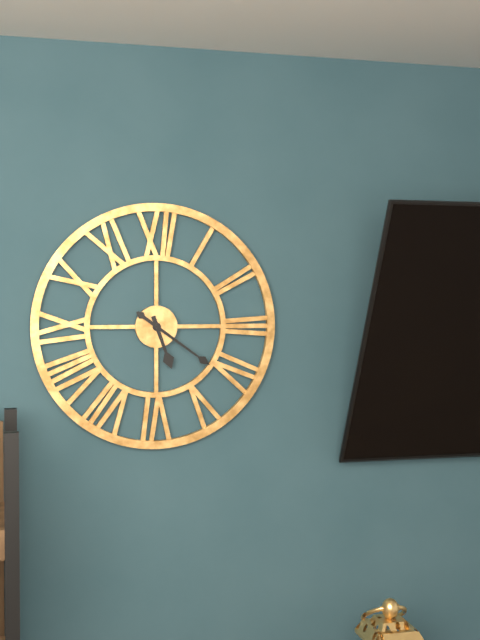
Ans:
5h21
